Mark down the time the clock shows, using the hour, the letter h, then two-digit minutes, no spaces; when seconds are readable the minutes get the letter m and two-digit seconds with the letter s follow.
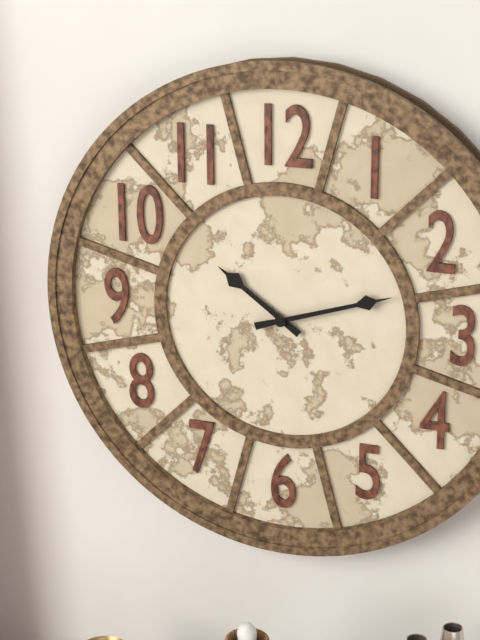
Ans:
10h12
